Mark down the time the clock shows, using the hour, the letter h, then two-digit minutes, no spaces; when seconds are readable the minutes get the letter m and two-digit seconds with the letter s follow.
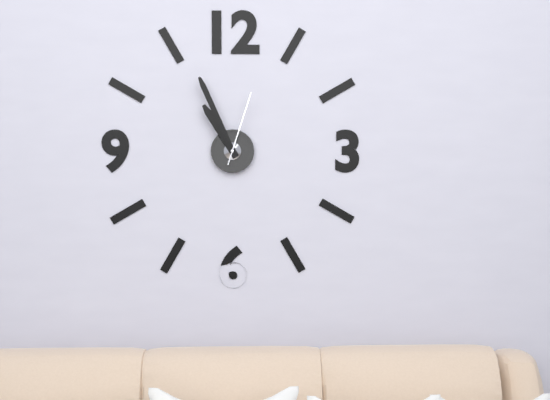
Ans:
10h56m03s
